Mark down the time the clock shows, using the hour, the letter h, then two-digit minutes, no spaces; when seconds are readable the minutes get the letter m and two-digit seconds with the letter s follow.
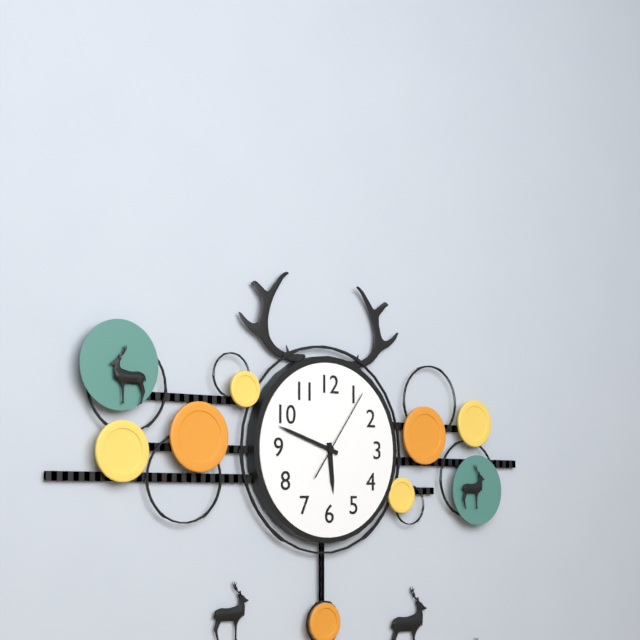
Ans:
5h48m06s
